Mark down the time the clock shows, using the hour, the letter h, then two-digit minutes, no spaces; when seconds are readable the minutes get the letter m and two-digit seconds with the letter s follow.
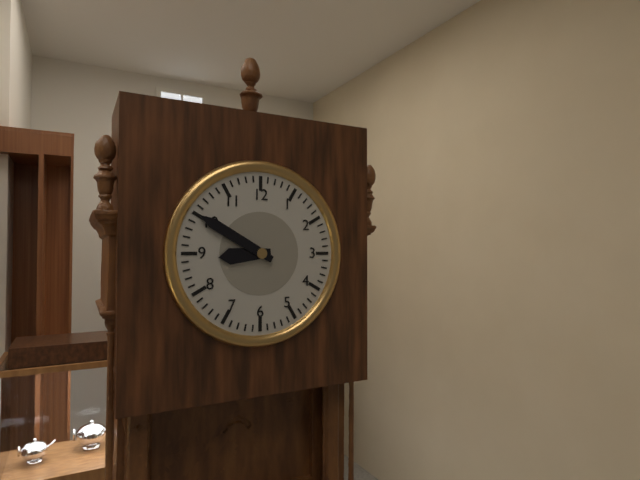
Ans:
8h50
